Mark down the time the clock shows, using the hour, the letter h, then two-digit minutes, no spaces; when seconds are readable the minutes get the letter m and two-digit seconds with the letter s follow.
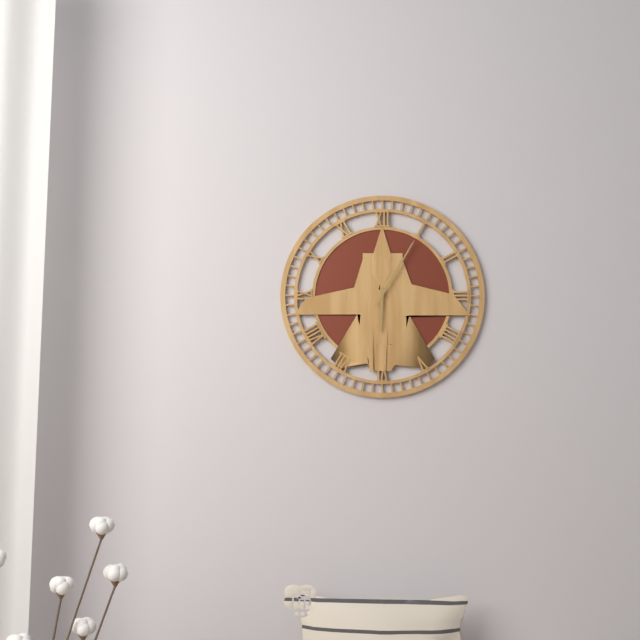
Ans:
6h05
